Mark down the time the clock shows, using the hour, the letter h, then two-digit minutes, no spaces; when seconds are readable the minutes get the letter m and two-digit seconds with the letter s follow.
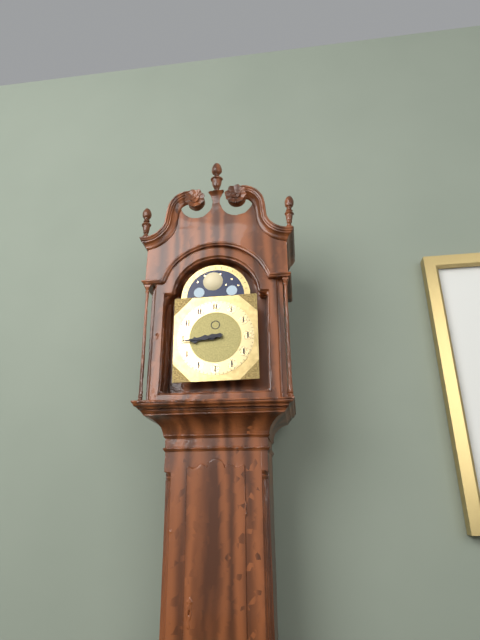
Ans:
8h44
